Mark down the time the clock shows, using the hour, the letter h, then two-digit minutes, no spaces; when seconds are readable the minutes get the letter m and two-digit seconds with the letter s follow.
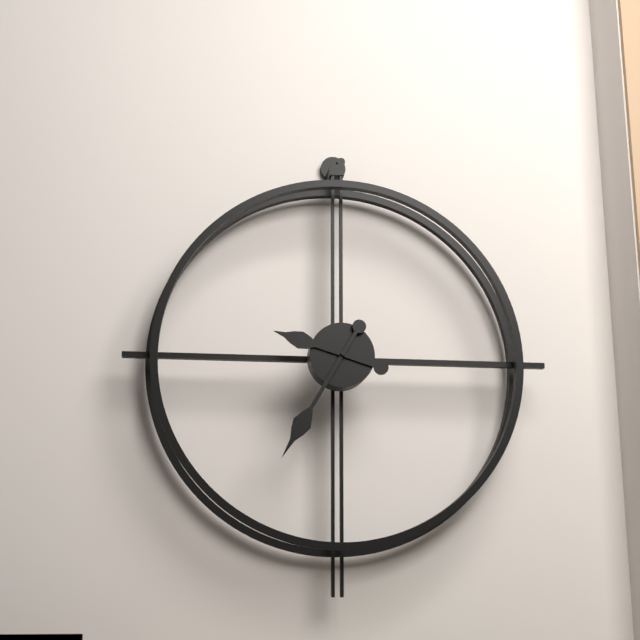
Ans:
9h35
